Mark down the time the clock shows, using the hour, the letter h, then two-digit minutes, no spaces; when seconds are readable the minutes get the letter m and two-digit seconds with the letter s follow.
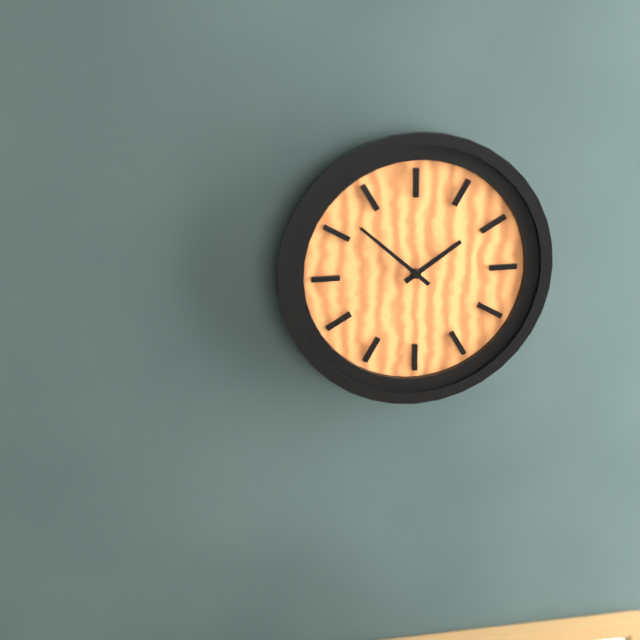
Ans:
1h52
